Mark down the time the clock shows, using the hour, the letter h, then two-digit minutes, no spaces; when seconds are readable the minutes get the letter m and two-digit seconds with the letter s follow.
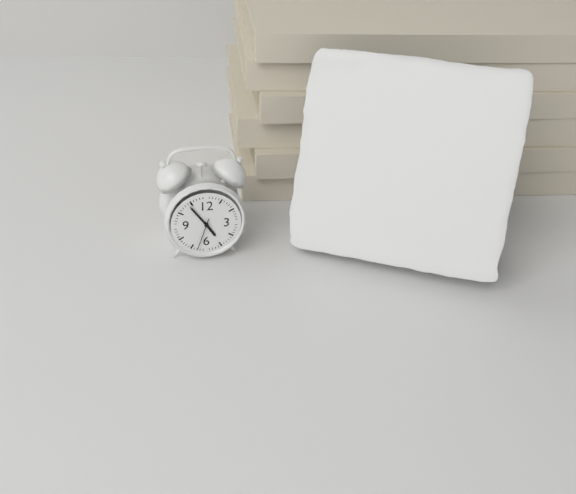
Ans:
4h54
